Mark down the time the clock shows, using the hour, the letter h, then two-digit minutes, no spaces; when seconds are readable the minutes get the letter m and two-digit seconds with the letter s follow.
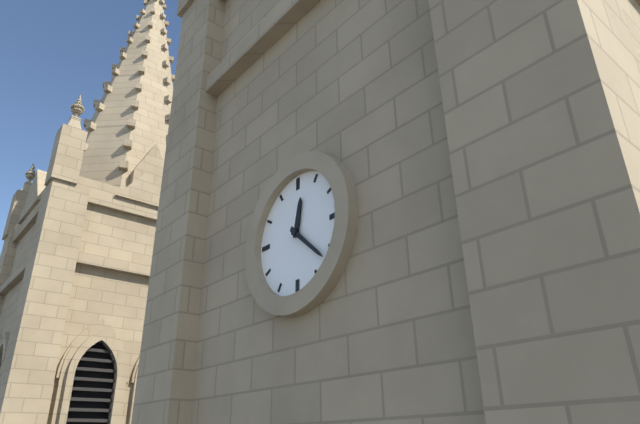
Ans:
12h22
